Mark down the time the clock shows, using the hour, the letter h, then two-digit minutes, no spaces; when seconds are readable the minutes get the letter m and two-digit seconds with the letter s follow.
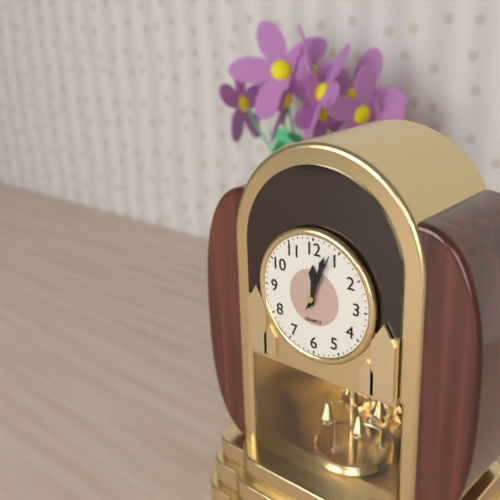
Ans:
12h03m04s
